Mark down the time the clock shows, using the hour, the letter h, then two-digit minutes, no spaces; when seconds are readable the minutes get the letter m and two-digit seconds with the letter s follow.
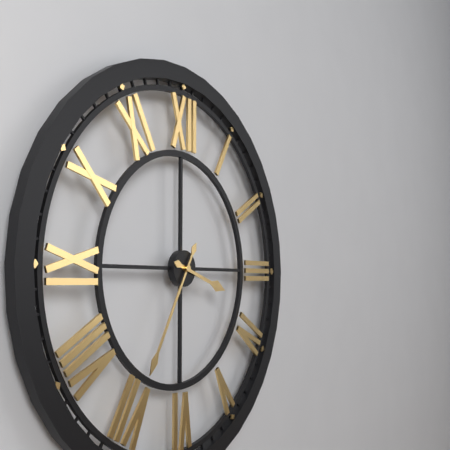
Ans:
3h35
